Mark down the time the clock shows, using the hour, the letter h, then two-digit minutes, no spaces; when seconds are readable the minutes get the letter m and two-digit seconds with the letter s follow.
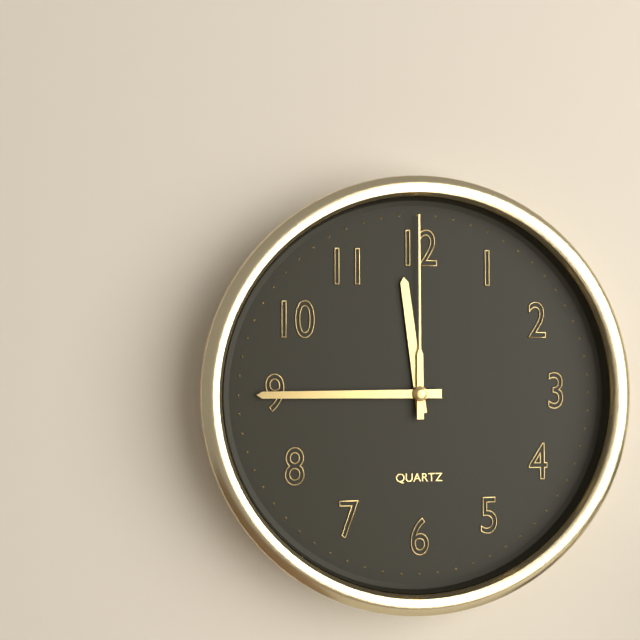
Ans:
11h45m00s
